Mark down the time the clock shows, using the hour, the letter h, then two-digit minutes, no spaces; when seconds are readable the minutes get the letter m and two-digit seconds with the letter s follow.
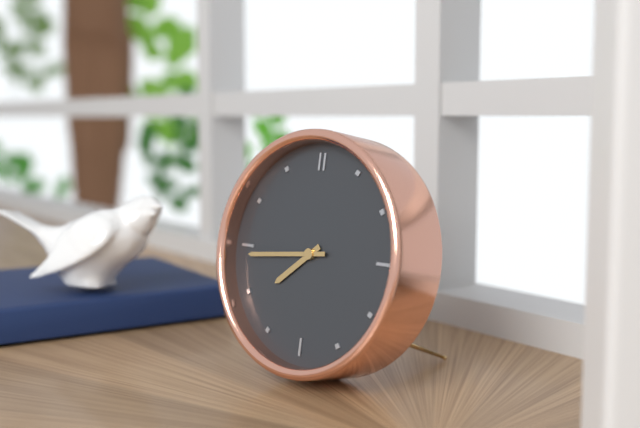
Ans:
7h44
